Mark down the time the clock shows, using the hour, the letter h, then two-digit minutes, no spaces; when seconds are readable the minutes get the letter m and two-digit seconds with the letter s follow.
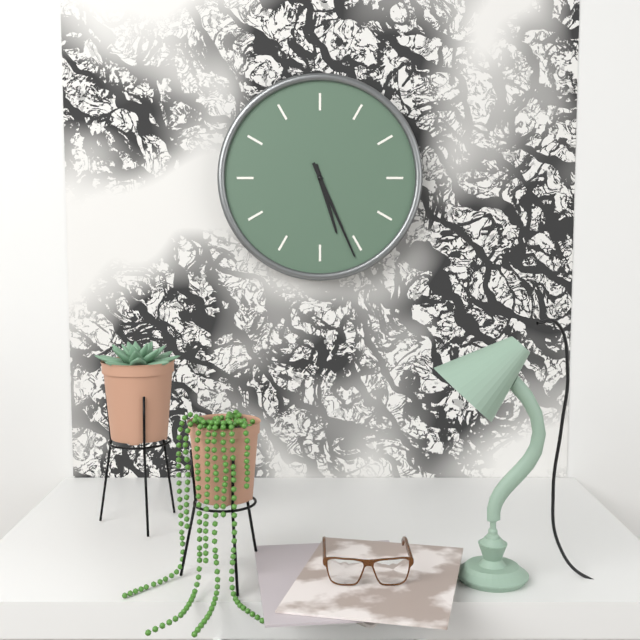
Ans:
5h26
